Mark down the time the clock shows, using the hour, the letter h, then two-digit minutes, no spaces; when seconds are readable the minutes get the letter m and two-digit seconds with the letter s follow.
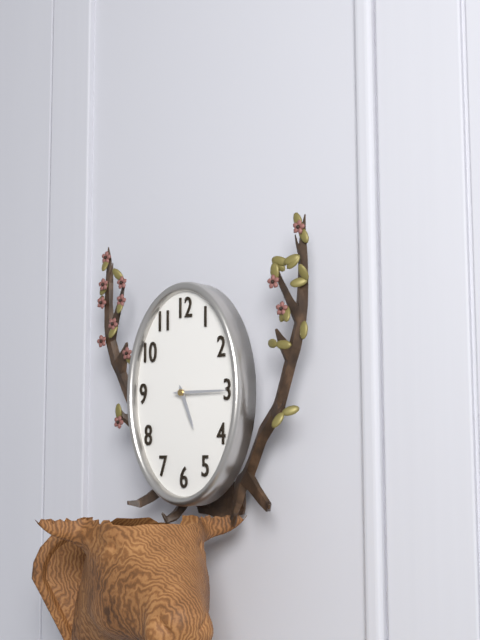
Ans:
5h15
